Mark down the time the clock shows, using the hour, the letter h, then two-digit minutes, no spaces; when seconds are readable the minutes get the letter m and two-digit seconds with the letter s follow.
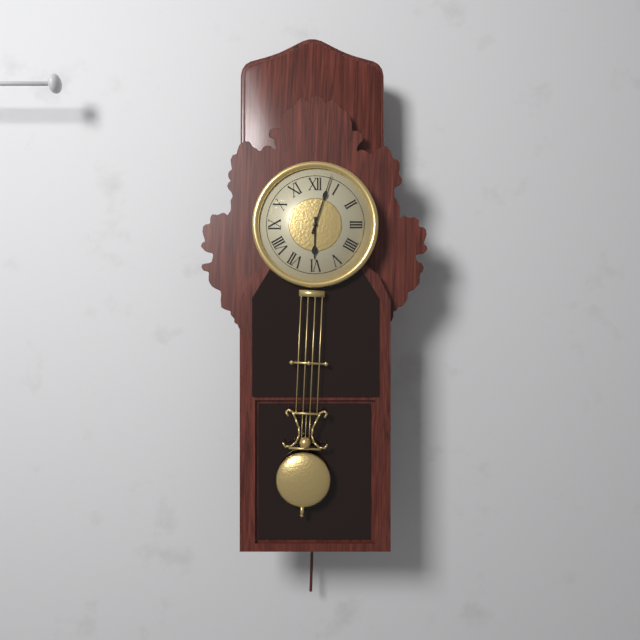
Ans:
6h03
